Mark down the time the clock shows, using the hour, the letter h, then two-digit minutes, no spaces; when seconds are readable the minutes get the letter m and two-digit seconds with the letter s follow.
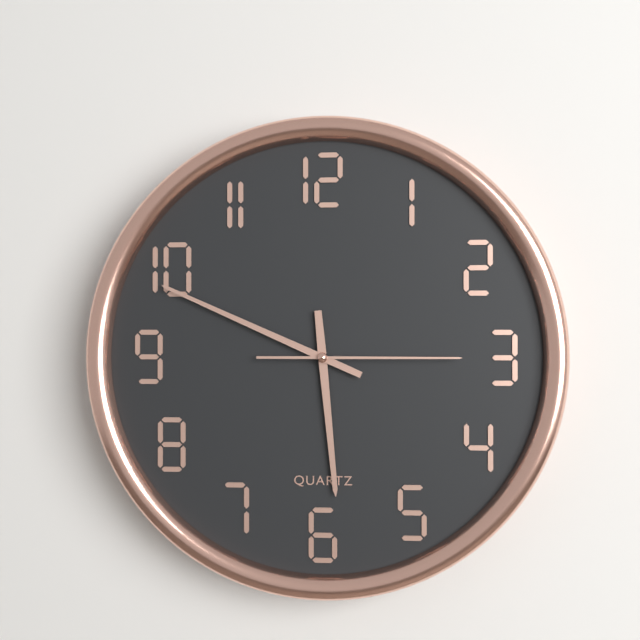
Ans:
5h49m15s
